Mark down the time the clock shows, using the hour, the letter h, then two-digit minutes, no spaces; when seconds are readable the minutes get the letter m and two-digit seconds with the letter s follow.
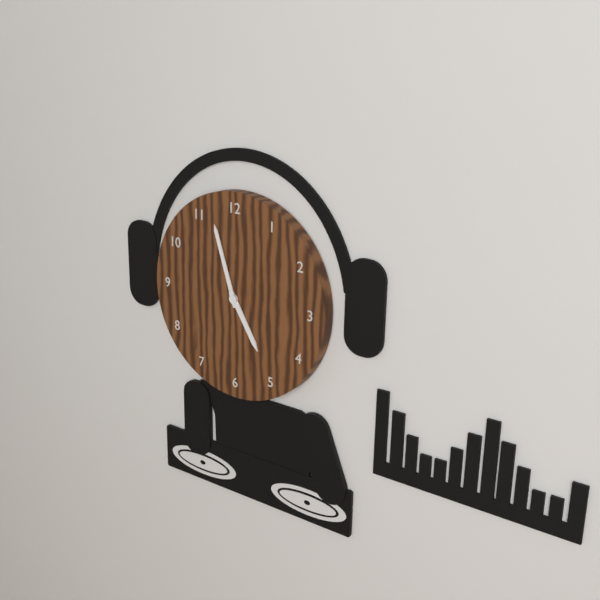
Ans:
4h57
